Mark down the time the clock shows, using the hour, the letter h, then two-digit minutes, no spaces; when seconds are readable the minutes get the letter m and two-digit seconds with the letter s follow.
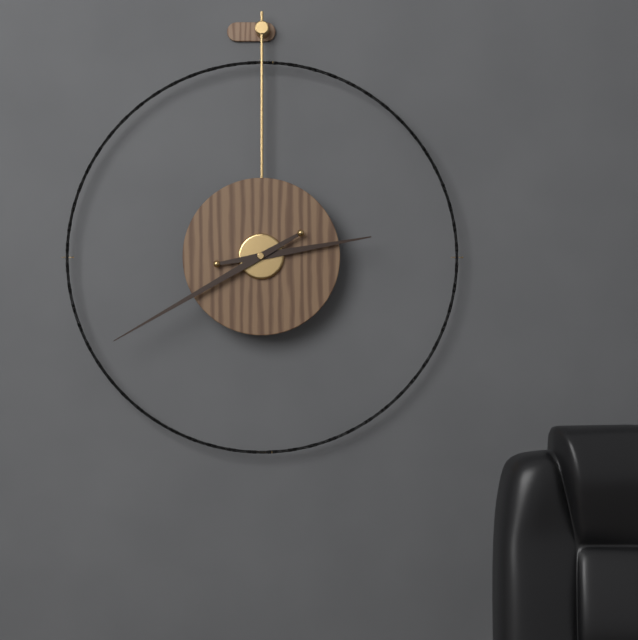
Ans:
2h40
